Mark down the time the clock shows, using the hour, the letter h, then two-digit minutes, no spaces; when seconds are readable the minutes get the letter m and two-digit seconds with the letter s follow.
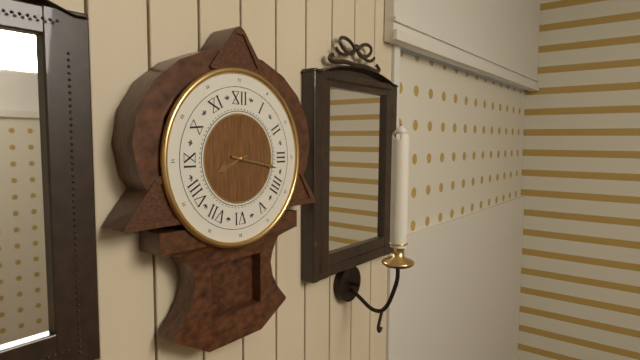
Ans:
8h17
